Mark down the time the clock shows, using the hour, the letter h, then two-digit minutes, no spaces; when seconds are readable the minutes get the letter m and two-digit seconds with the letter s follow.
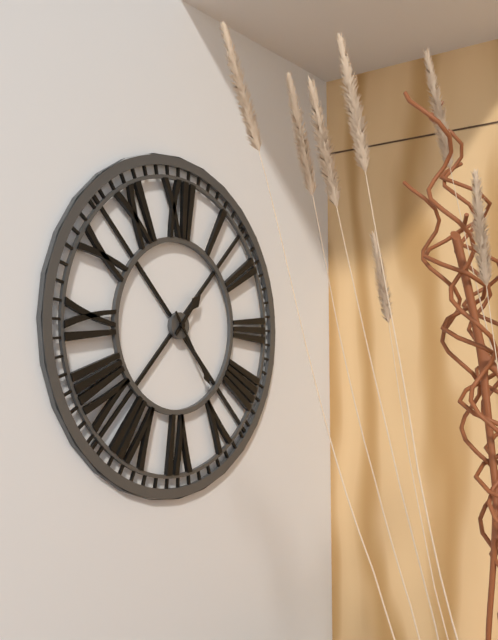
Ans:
1h24
